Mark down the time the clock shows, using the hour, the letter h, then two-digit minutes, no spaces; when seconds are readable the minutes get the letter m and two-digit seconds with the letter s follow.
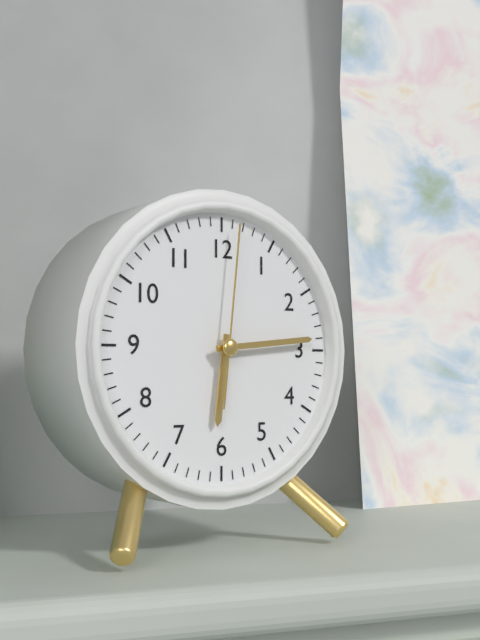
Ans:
6h14m01s
